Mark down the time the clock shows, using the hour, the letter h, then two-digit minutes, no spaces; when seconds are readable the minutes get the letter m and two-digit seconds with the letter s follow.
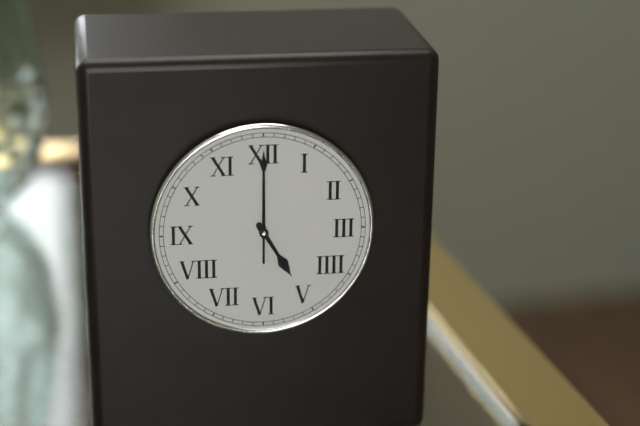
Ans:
5h00
